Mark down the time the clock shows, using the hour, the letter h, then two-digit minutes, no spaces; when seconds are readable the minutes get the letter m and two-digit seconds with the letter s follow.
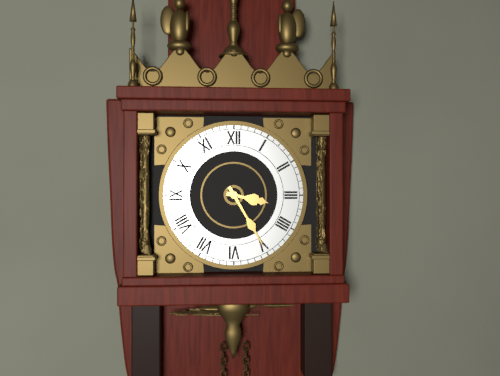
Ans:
3h25
